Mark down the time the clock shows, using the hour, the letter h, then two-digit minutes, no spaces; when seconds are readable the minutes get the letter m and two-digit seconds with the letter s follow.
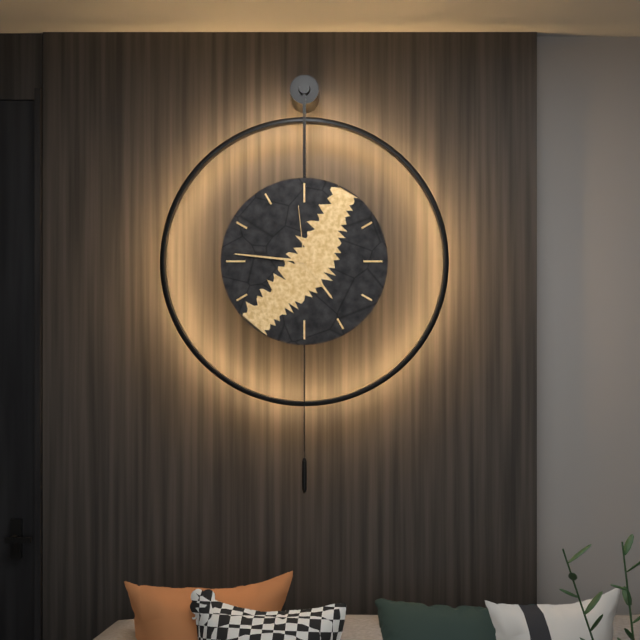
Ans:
4h46m59s
